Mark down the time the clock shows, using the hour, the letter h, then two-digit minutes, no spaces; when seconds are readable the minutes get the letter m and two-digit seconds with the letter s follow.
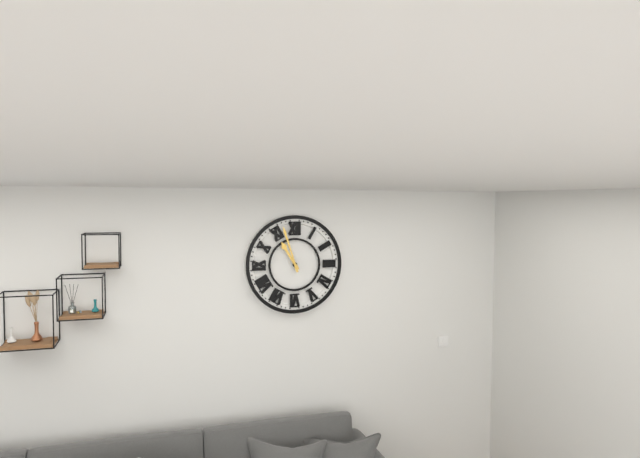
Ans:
10h57
